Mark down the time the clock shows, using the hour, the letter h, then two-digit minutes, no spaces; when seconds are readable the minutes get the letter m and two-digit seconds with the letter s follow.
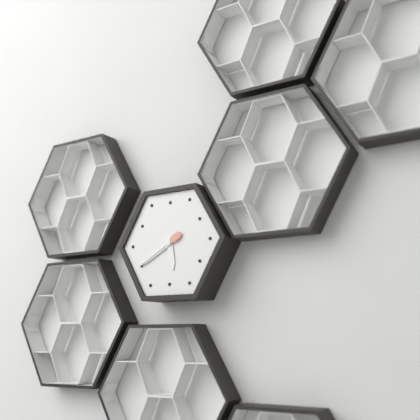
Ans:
5h40m40s
